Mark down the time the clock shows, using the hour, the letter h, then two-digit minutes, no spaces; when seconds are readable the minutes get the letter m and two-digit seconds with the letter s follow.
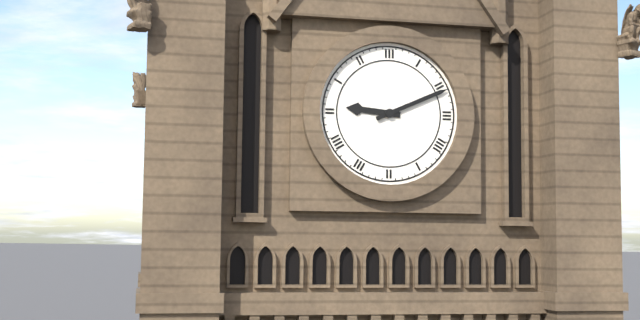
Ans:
9h11
